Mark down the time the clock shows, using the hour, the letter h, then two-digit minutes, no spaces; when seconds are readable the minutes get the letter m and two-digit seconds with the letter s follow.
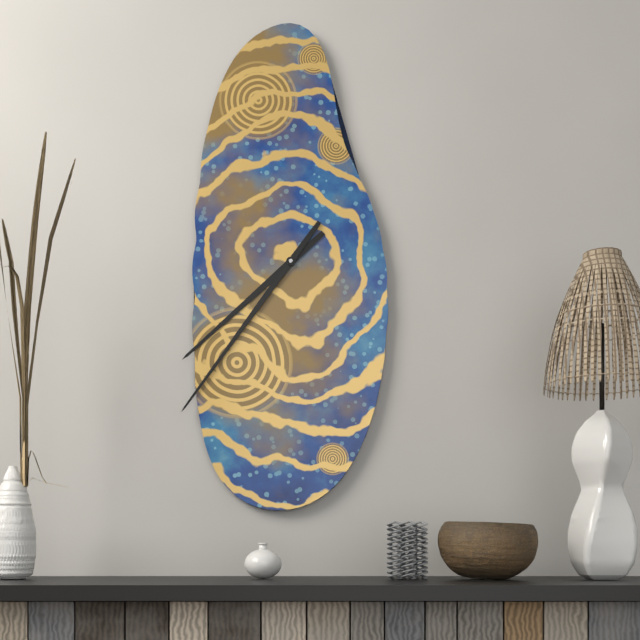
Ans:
7h36
